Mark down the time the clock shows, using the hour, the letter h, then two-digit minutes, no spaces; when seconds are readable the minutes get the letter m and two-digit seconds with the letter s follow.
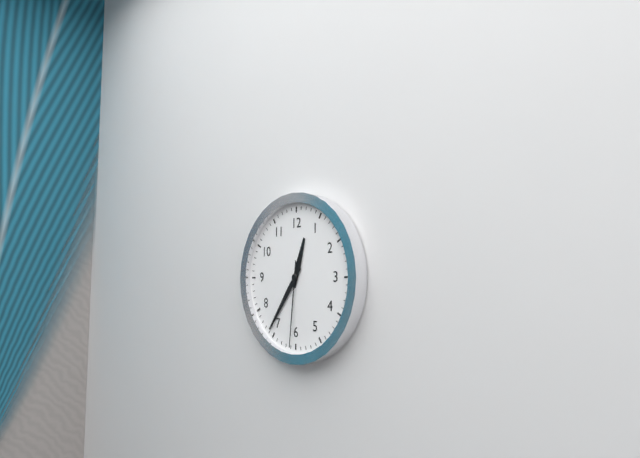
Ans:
12h36m31s
